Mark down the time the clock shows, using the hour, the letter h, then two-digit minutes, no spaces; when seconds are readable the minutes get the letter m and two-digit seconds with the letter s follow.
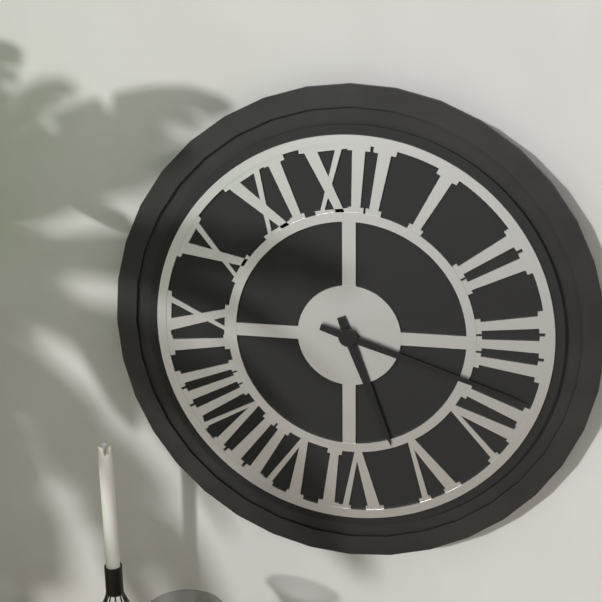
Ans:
5h18
